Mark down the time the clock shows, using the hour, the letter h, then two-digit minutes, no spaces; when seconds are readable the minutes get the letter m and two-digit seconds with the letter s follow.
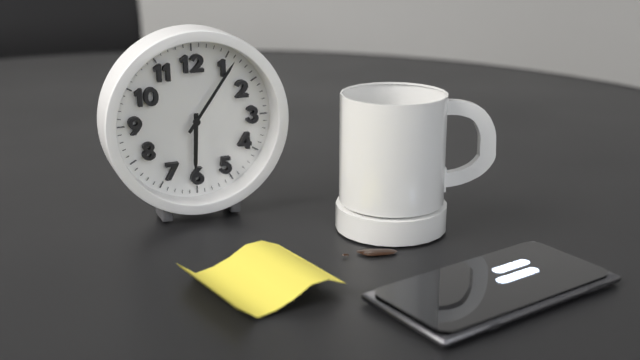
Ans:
6h06
